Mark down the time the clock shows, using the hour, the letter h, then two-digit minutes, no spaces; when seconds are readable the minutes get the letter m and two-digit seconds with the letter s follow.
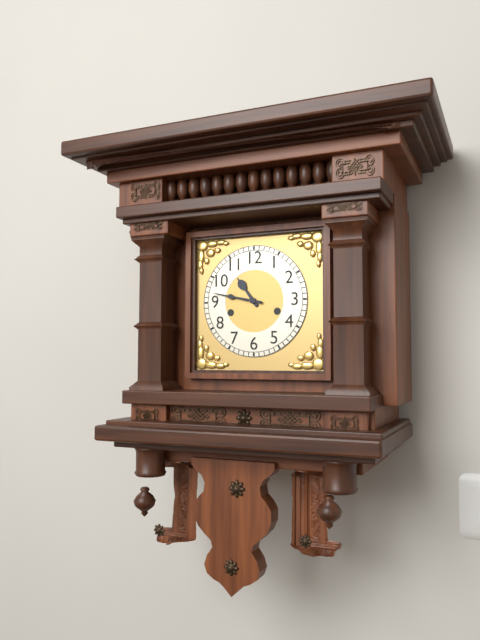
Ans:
10h47
